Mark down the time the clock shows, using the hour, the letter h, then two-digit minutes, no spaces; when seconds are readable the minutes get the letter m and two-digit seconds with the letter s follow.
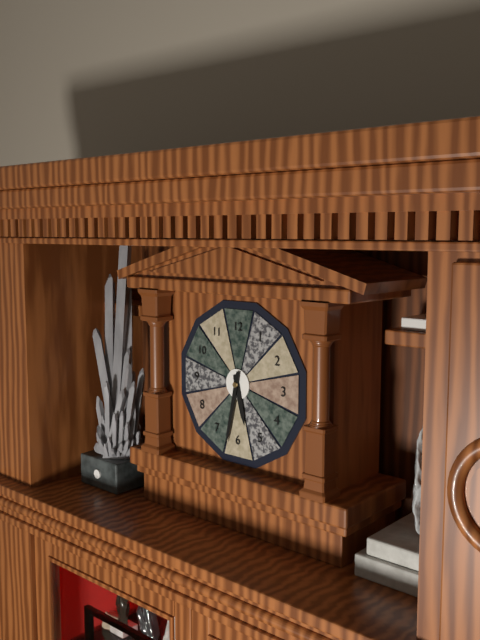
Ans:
5h32
